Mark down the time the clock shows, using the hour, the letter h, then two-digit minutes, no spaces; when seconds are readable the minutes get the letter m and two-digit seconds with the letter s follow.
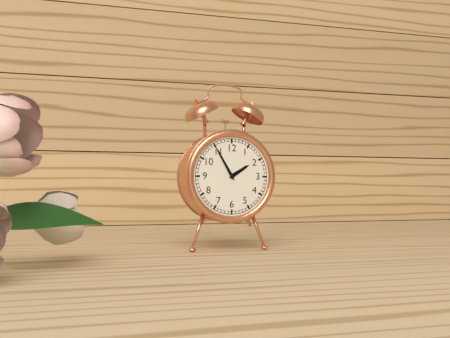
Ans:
1h55
